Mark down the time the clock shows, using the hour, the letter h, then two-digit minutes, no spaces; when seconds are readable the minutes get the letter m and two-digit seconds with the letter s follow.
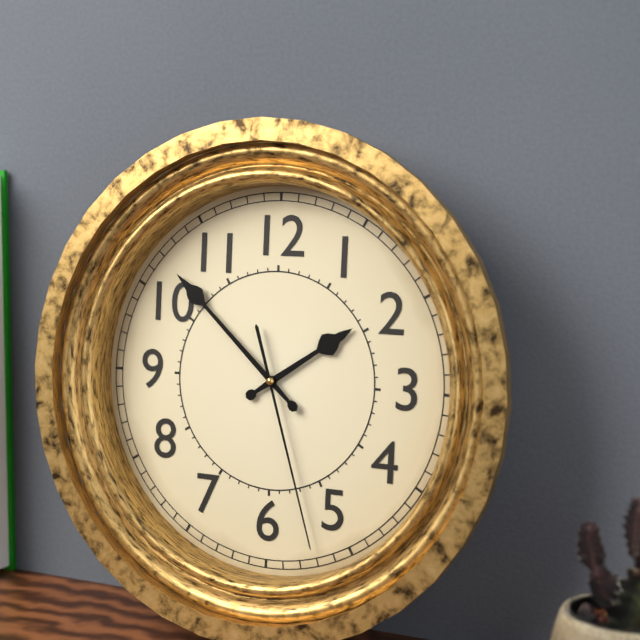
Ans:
1h52m27s
